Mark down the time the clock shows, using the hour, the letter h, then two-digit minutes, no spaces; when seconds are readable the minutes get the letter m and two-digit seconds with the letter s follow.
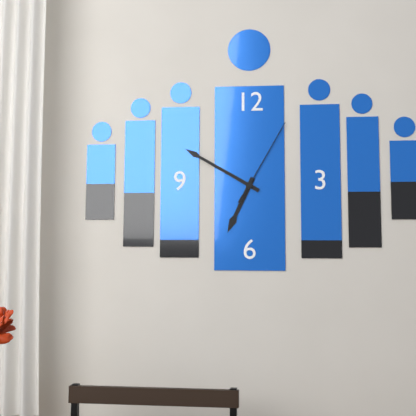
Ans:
6h50m05s
